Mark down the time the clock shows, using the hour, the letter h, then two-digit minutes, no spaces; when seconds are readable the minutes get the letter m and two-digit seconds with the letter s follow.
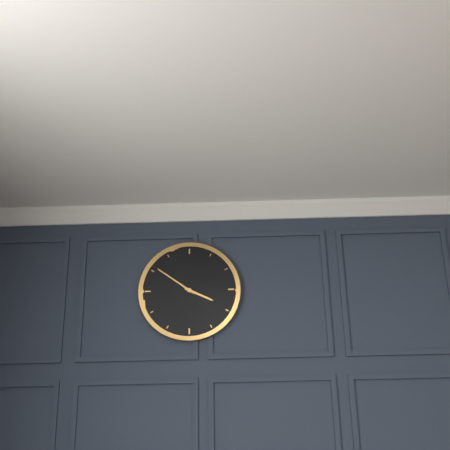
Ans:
3h51
